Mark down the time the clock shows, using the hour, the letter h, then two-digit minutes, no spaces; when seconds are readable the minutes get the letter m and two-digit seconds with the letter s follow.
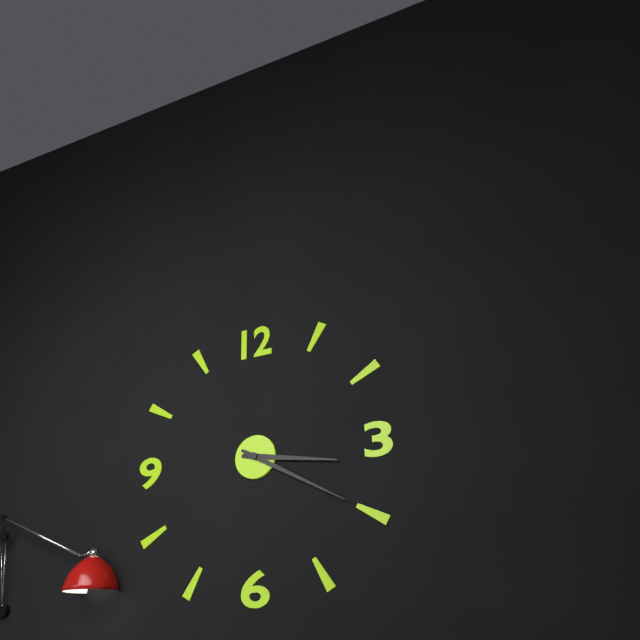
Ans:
3h20
